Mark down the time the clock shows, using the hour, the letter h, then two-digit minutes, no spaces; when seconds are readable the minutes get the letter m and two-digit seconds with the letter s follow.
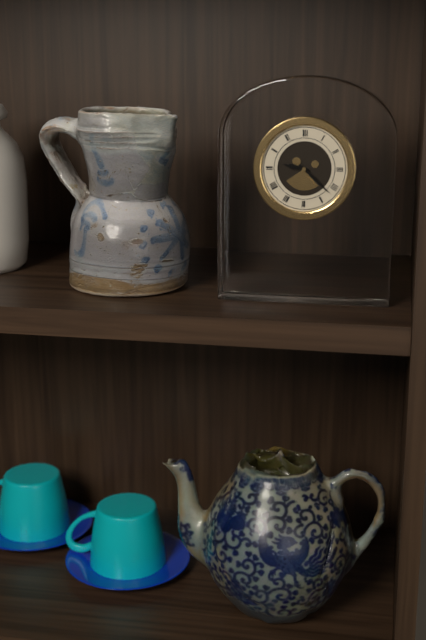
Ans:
9h22
